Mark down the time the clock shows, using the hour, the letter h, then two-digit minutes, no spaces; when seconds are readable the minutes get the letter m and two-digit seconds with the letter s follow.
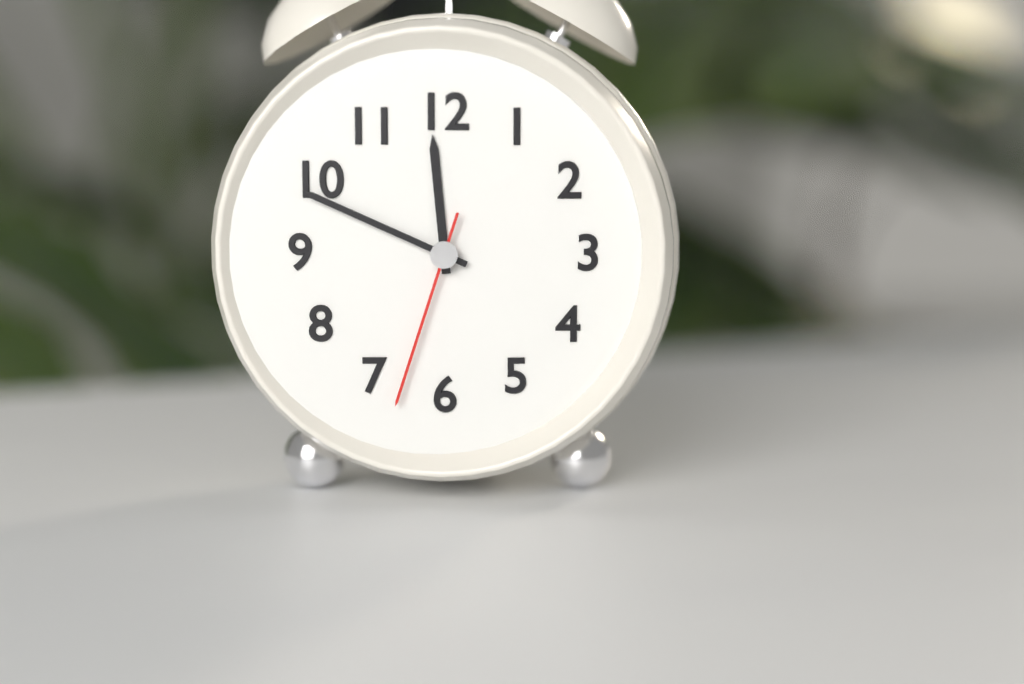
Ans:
11h49m33s
